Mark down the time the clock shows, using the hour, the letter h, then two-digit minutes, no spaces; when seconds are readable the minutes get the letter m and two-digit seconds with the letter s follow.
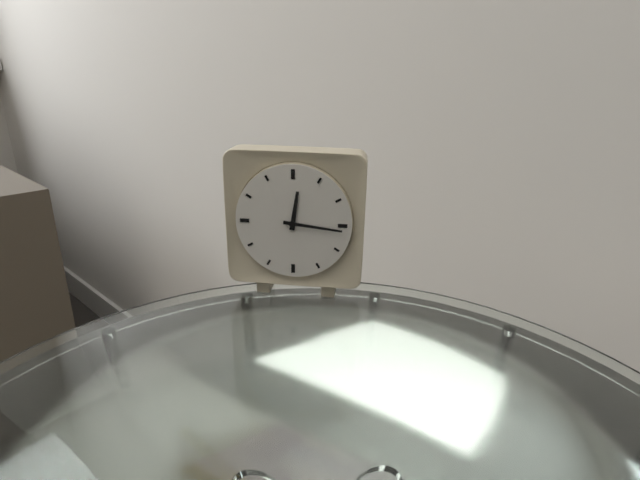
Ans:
12h16
